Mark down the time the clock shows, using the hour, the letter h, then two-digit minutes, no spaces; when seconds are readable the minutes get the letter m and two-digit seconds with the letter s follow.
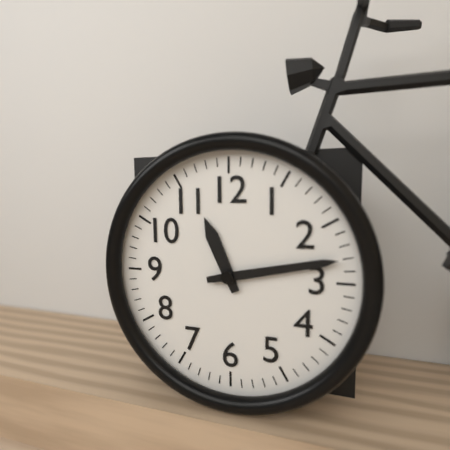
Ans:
11h13
